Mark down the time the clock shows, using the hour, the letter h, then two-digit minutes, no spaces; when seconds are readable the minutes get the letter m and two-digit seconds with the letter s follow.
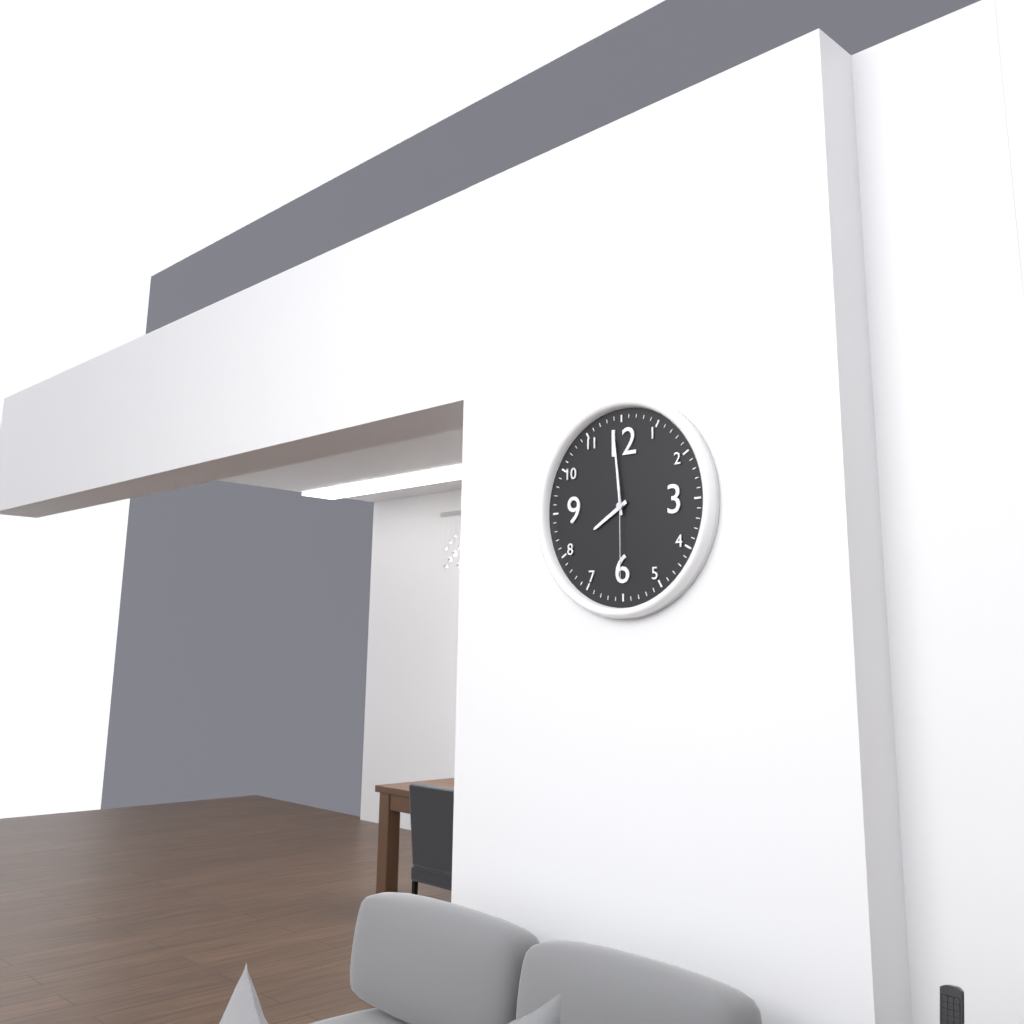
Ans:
7h59m30s
